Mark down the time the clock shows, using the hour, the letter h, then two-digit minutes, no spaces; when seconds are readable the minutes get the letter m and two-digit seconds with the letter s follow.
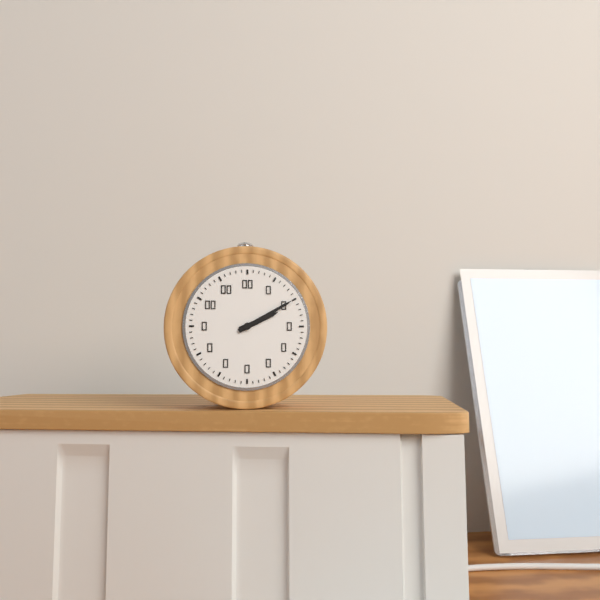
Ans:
2h10
